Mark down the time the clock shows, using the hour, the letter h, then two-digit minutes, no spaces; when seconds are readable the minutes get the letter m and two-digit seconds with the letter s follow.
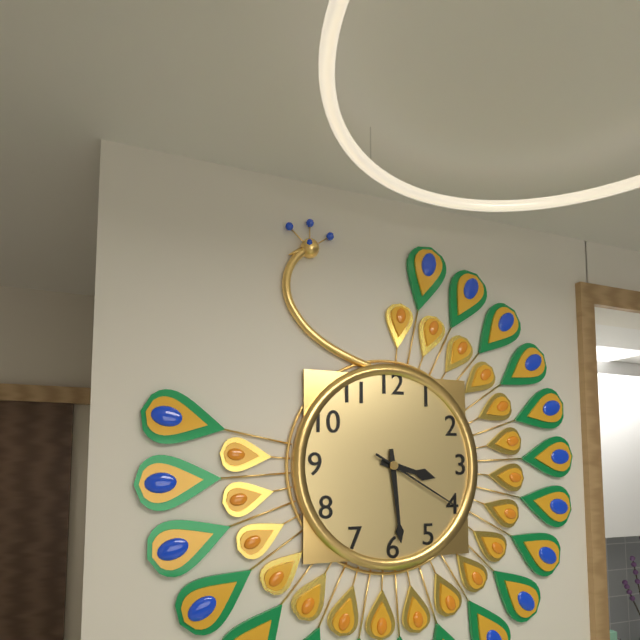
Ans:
3h29m20s
